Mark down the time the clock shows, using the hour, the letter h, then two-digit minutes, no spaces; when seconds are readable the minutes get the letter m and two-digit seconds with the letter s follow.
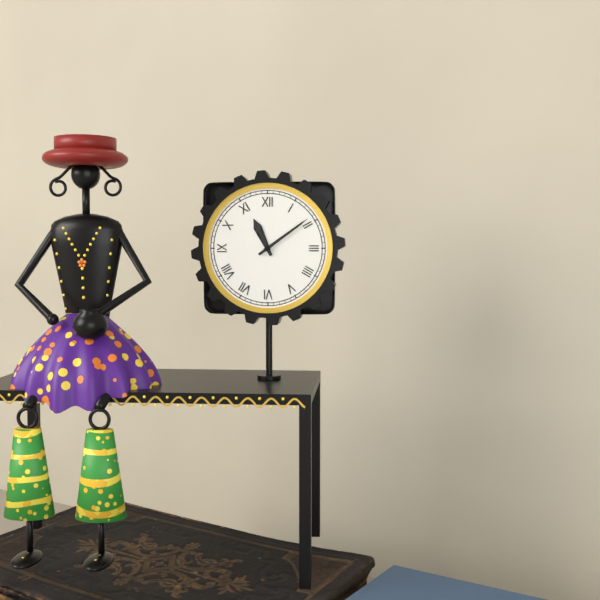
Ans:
11h09
